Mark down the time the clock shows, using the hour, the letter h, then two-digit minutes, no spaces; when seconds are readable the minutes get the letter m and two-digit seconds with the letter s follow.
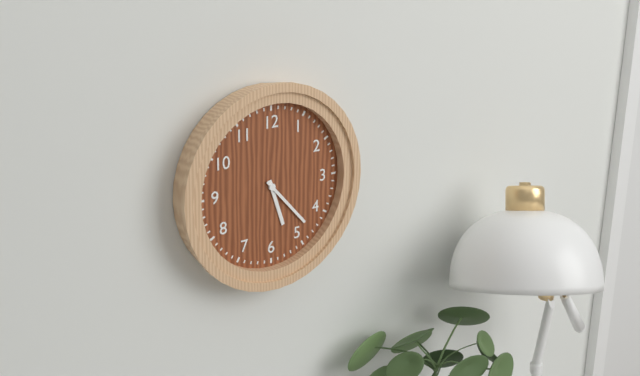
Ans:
5h23
